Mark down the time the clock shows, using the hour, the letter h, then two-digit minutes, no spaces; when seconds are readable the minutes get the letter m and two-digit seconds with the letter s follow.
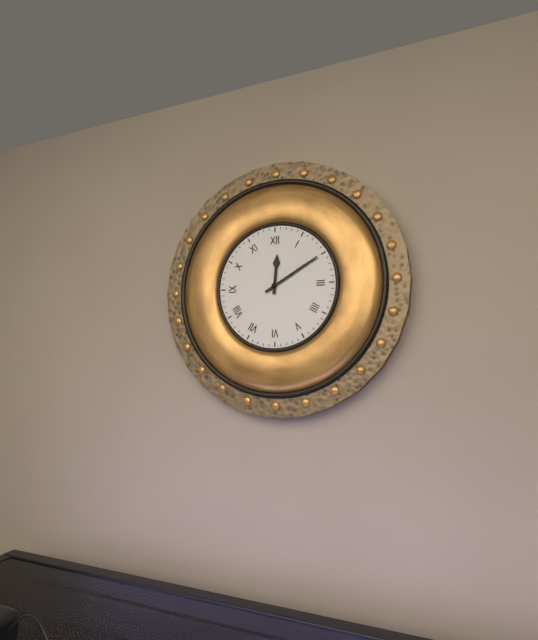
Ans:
12h10
